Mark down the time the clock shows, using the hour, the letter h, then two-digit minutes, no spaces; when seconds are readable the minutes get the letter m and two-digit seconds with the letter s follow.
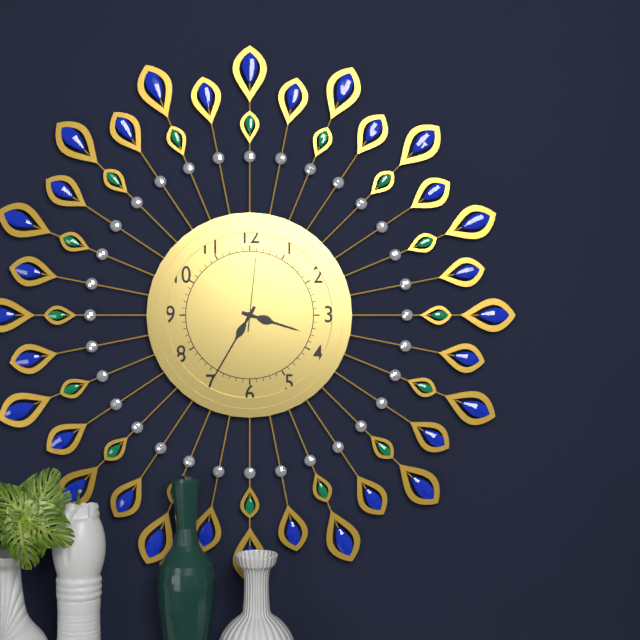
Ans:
3h35m01s
